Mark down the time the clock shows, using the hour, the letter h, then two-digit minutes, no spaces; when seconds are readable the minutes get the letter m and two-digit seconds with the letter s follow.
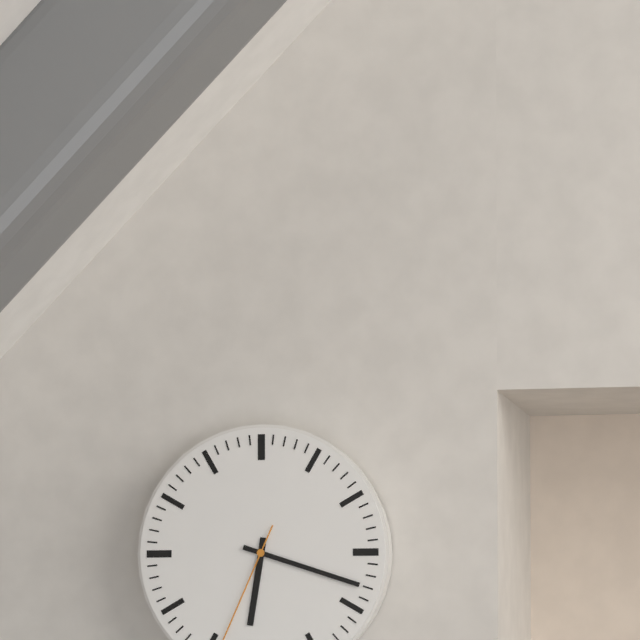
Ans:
6h18
